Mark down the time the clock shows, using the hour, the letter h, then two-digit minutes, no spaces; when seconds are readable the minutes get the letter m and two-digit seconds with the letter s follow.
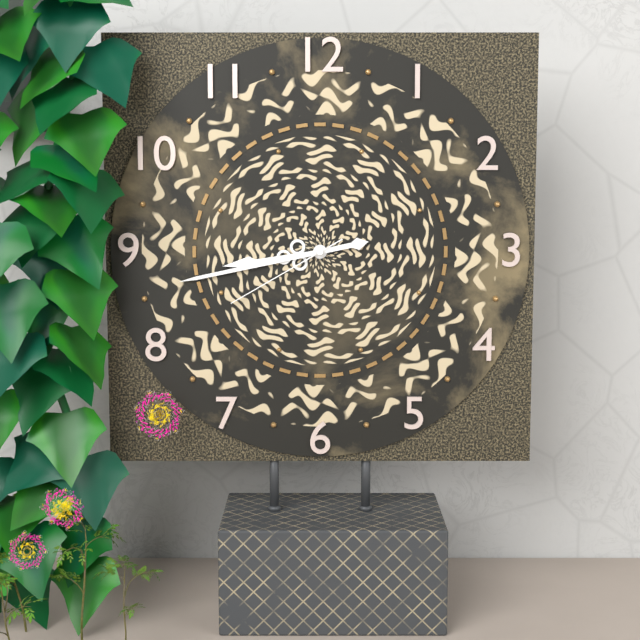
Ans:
8h43m40s
